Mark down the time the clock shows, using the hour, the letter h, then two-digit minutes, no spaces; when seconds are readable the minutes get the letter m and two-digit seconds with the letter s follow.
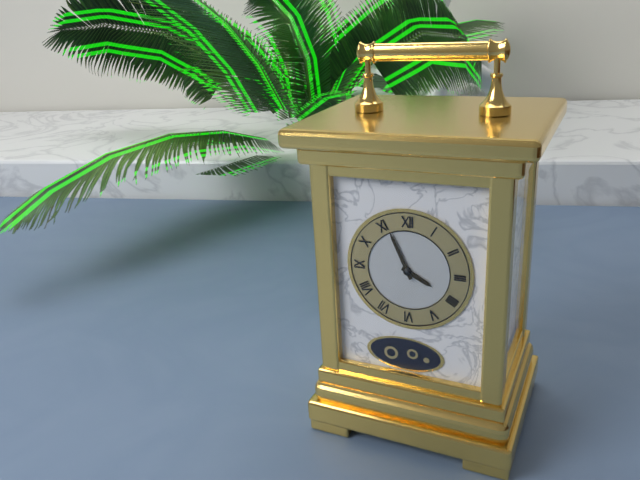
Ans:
3h56
